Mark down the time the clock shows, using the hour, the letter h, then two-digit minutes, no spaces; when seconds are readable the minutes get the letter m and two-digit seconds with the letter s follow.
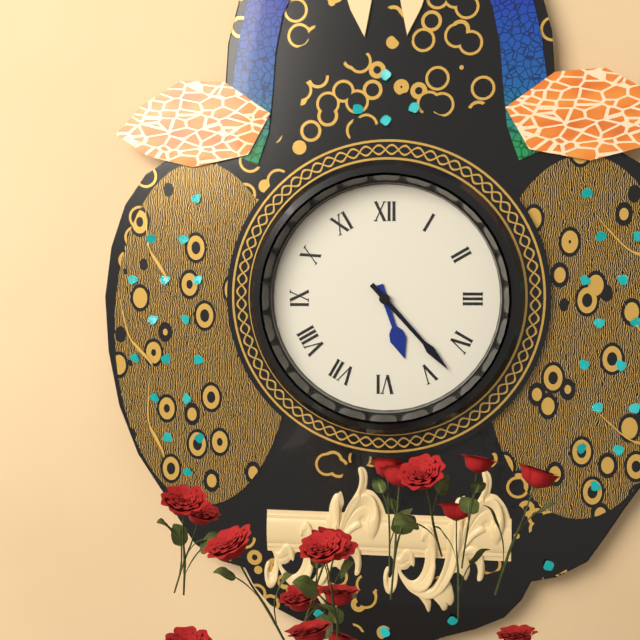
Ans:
5h23
